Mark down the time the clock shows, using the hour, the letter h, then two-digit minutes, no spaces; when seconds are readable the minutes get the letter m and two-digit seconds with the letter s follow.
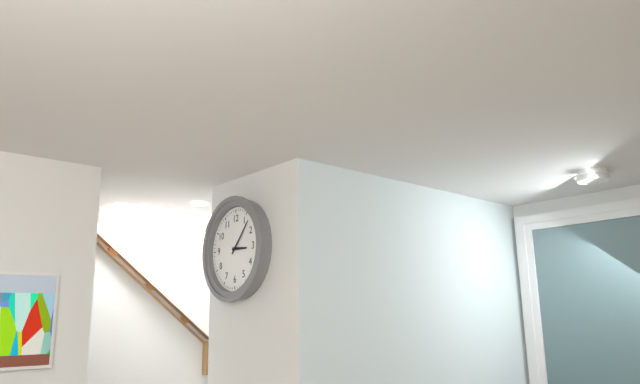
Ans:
3h07
